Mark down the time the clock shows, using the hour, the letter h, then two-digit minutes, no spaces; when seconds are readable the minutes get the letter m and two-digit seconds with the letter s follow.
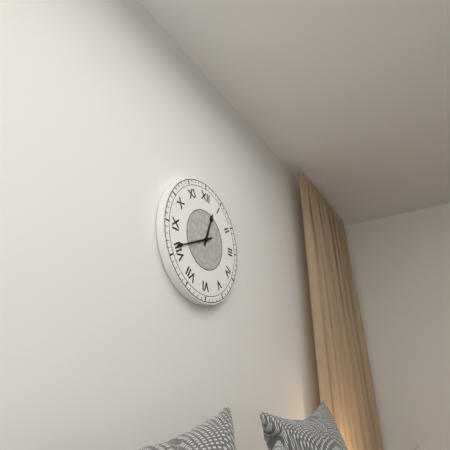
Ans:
12h41
